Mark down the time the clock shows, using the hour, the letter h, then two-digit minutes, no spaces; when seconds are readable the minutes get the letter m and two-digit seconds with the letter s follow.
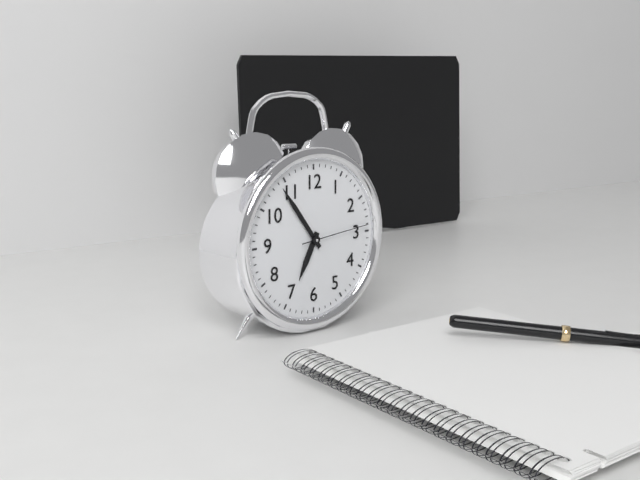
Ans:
6h54m14s
